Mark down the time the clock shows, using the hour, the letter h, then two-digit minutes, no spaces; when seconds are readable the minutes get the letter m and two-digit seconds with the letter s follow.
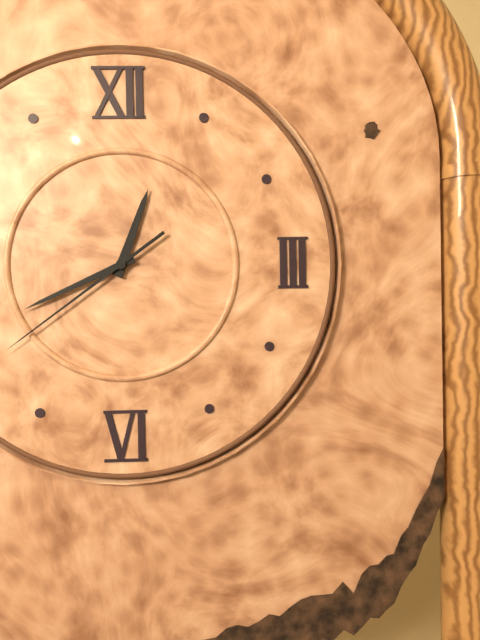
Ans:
12h41m39s
